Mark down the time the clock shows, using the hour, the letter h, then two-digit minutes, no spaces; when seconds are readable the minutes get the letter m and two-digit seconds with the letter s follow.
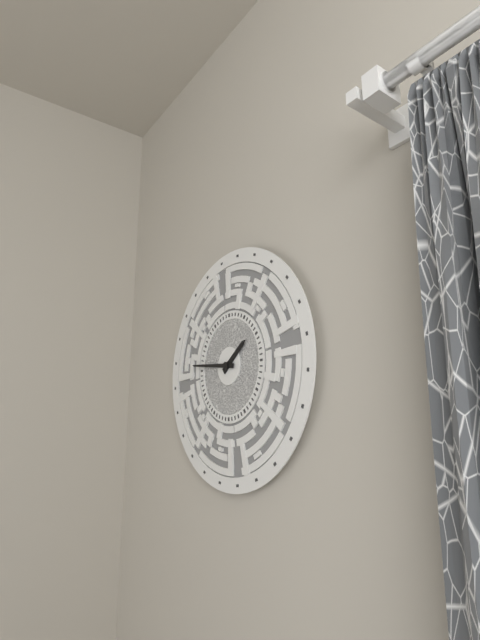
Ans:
1h46
